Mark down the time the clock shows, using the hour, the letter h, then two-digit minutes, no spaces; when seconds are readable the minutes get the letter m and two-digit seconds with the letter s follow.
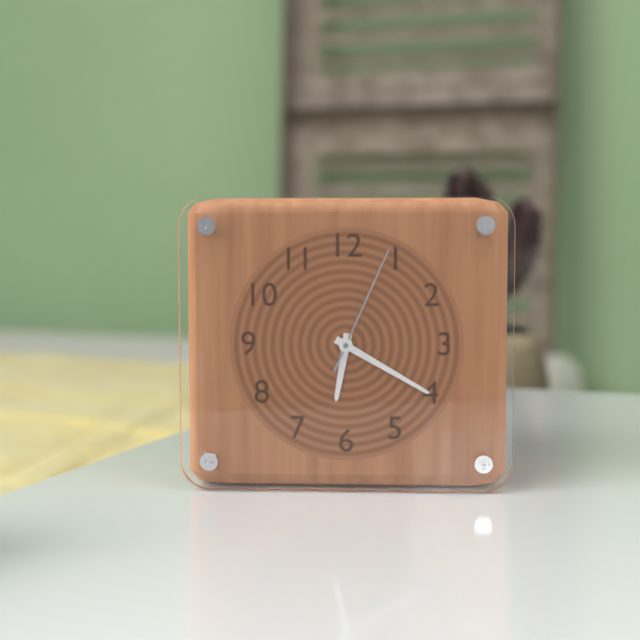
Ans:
6h20m04s
